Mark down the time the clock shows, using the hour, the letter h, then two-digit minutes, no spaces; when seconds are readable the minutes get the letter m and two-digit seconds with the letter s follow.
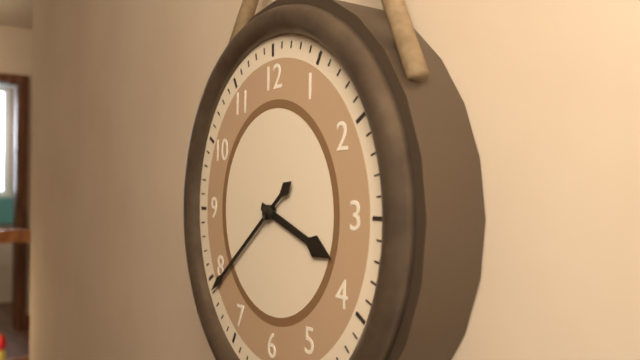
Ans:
3h39
